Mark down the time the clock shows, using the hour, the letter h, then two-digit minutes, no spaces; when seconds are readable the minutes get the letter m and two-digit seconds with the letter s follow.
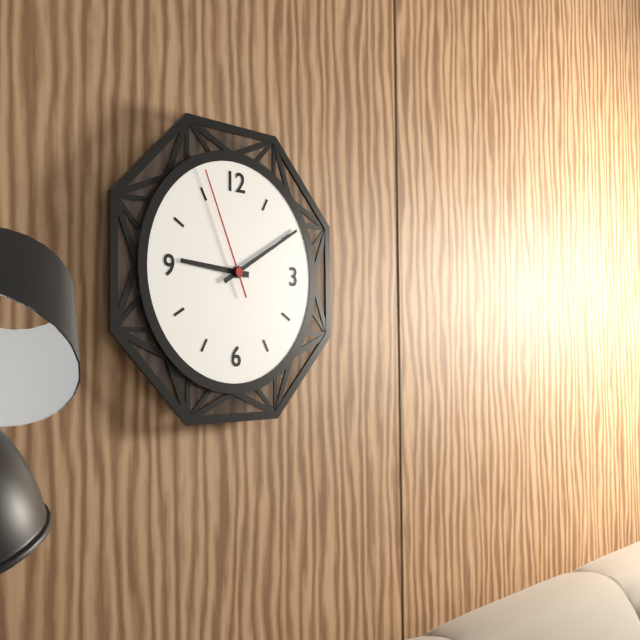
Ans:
9h10m56s
